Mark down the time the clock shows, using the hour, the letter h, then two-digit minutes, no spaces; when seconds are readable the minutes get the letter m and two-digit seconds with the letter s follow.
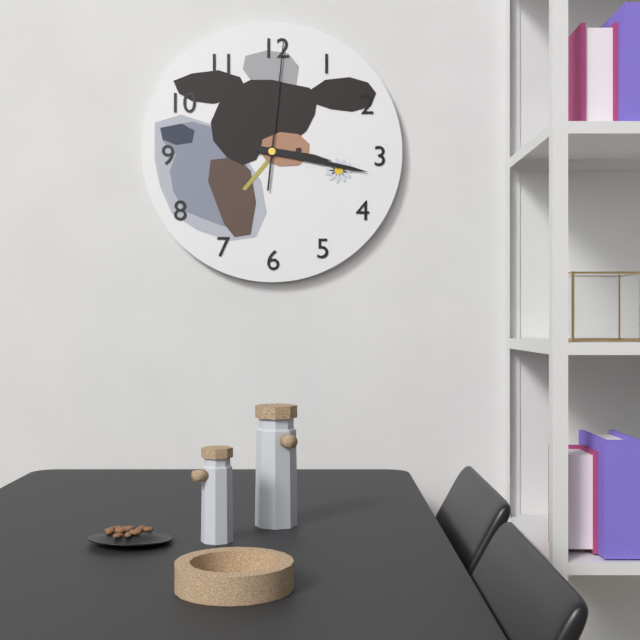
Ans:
3h17m01s
